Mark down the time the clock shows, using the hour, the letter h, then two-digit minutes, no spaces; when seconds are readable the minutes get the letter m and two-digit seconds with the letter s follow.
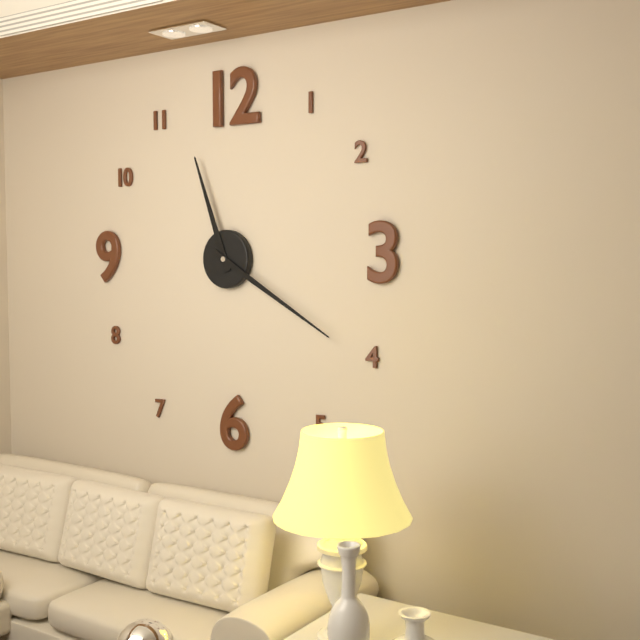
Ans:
11h20
